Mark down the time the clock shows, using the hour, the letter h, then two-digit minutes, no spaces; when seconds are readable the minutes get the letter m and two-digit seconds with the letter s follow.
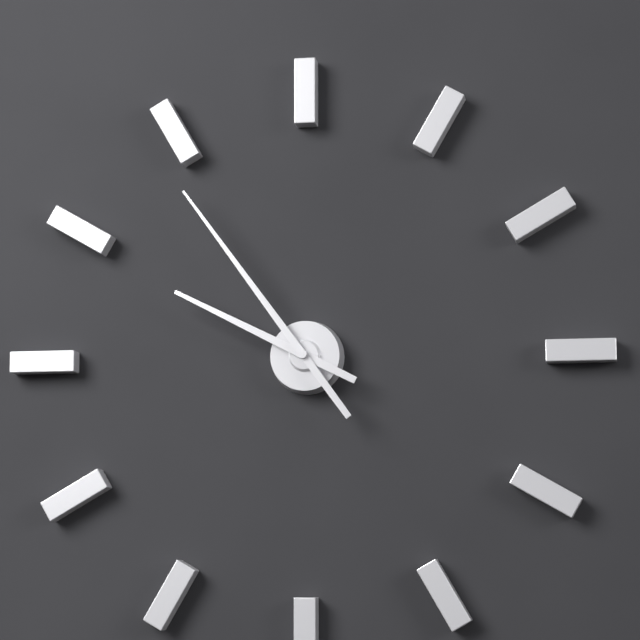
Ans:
9h54
